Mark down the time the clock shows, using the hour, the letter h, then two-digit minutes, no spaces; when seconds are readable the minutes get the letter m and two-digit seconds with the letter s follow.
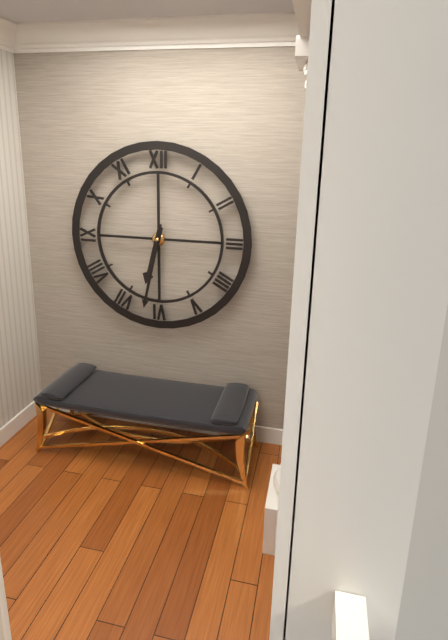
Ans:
6h32
